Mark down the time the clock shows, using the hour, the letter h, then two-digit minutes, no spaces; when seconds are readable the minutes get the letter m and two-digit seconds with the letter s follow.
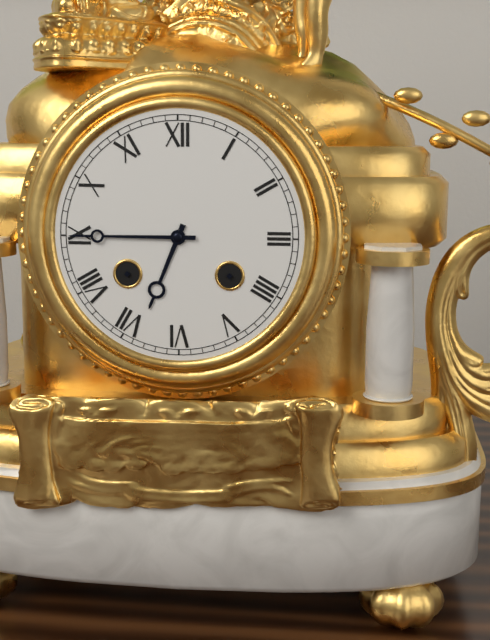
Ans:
6h45
